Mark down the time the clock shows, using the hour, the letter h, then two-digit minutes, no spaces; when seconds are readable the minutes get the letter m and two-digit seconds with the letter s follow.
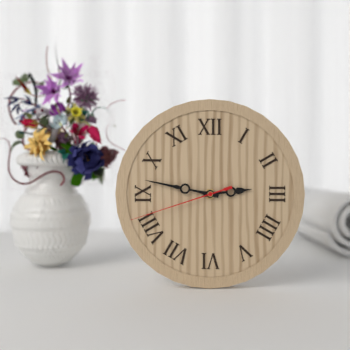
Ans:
2h47m42s
